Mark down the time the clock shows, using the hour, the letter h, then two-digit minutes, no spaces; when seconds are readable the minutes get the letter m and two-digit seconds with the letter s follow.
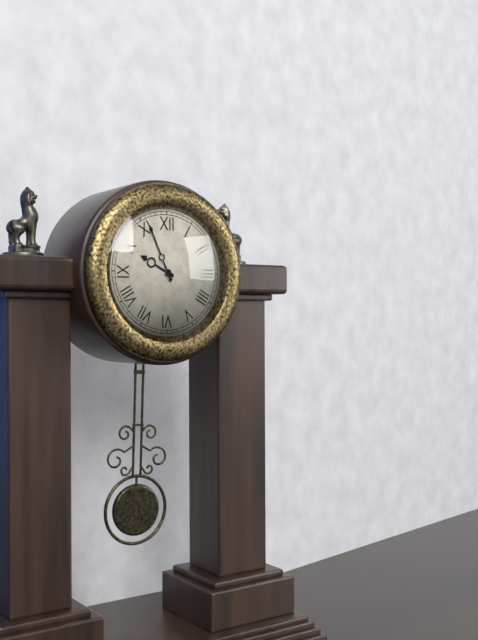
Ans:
9h56
